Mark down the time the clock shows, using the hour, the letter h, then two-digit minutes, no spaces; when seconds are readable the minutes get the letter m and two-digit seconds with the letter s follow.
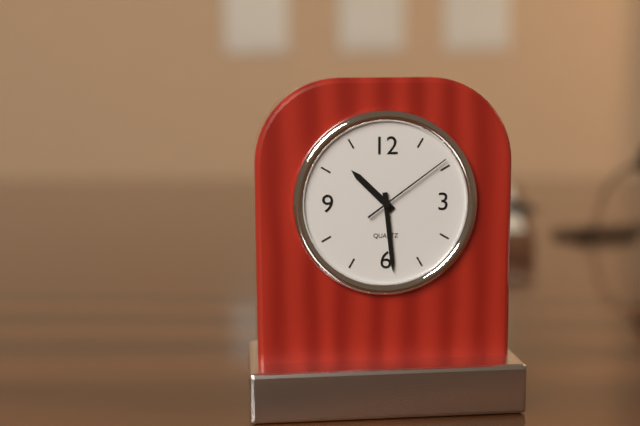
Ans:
10h29m09s
